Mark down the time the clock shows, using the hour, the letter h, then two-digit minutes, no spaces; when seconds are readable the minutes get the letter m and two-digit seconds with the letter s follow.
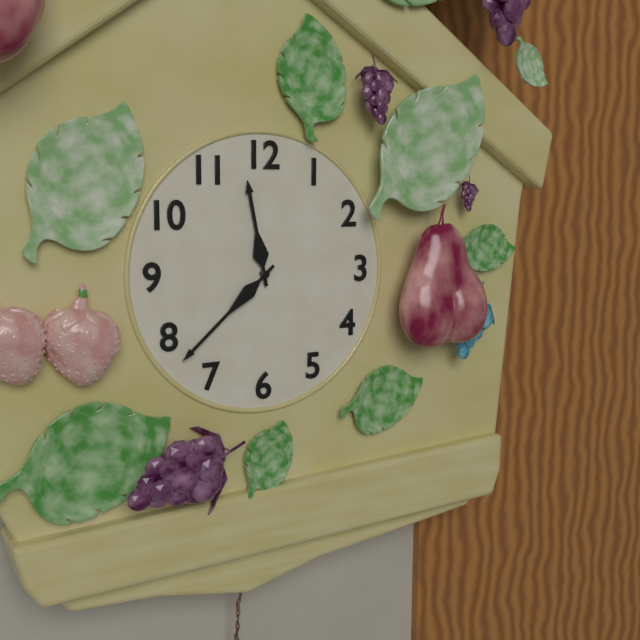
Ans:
11h38
